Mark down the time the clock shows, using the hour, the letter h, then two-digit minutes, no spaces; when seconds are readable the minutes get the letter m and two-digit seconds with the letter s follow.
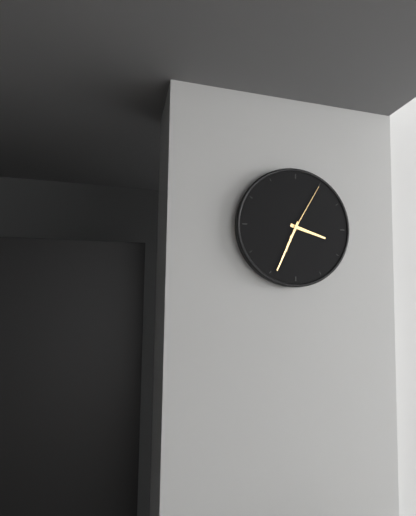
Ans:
3h34m05s
